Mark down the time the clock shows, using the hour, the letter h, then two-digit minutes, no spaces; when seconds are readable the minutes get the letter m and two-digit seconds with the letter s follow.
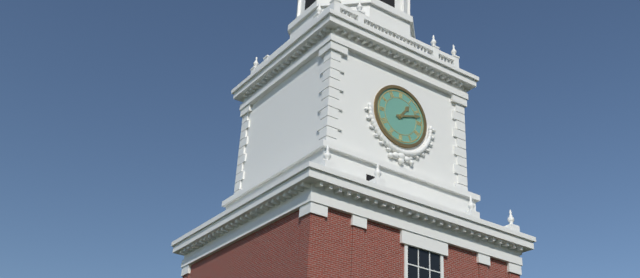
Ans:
1h12
